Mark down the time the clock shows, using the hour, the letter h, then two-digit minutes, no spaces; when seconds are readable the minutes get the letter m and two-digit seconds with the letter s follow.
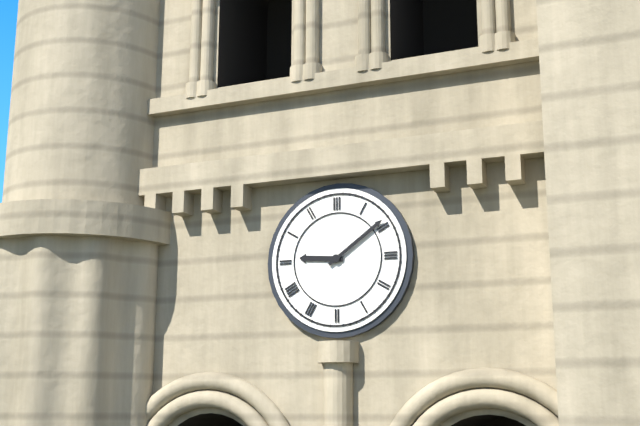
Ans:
9h09
